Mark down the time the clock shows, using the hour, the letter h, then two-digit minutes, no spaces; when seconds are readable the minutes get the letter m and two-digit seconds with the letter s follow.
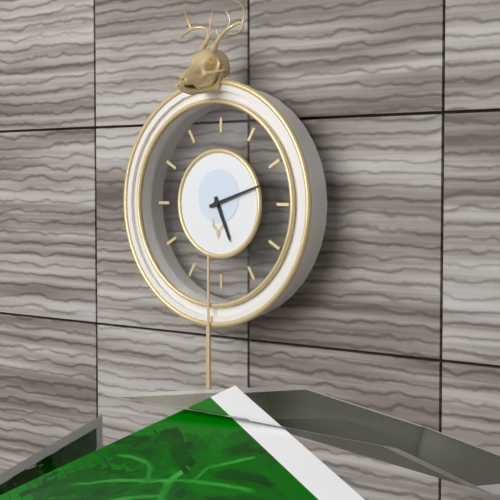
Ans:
5h12
